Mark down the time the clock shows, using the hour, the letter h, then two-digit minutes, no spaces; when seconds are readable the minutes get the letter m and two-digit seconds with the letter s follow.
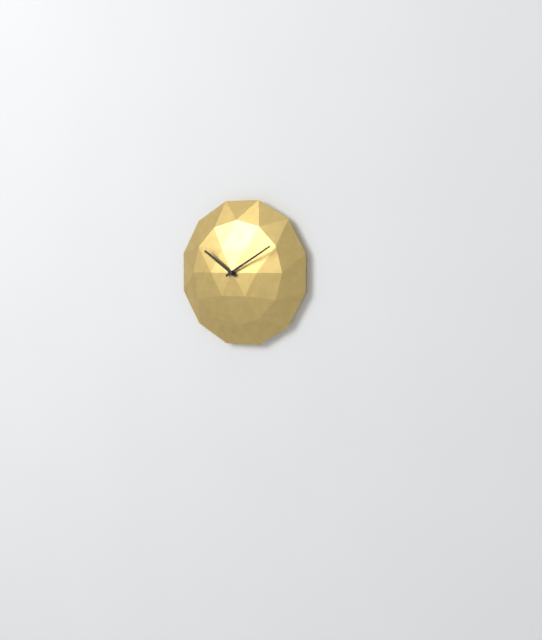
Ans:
10h10
